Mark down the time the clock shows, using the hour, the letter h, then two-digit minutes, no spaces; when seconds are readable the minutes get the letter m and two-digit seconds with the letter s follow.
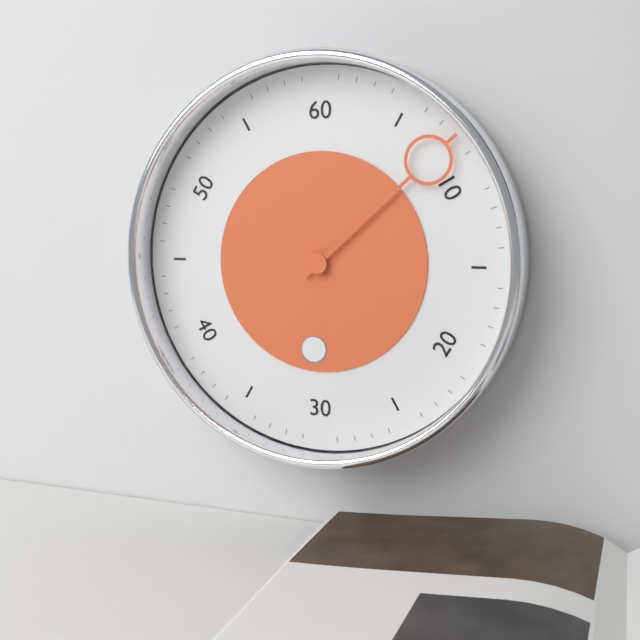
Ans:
6h08
